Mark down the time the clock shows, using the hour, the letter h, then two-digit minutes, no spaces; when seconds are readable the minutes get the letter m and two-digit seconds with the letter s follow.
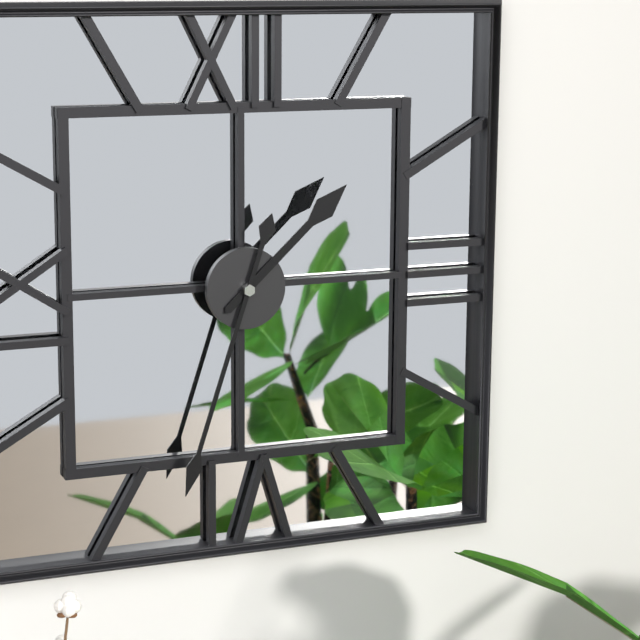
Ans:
1h33
